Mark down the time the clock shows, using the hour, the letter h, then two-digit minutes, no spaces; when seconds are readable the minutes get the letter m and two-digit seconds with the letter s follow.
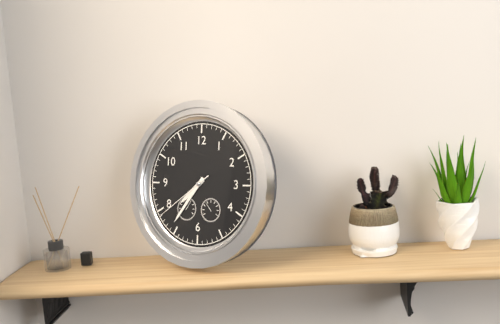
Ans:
7h36m39s
